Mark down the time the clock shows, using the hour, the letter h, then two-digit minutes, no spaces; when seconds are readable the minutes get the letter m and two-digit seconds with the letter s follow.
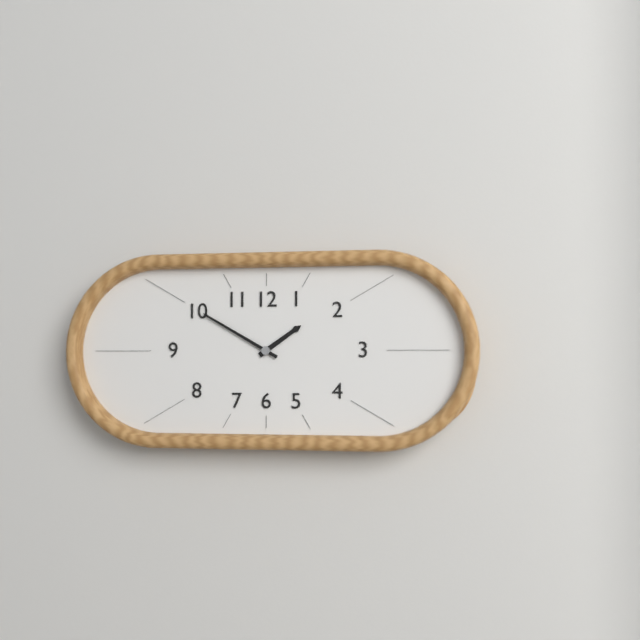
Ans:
1h50
